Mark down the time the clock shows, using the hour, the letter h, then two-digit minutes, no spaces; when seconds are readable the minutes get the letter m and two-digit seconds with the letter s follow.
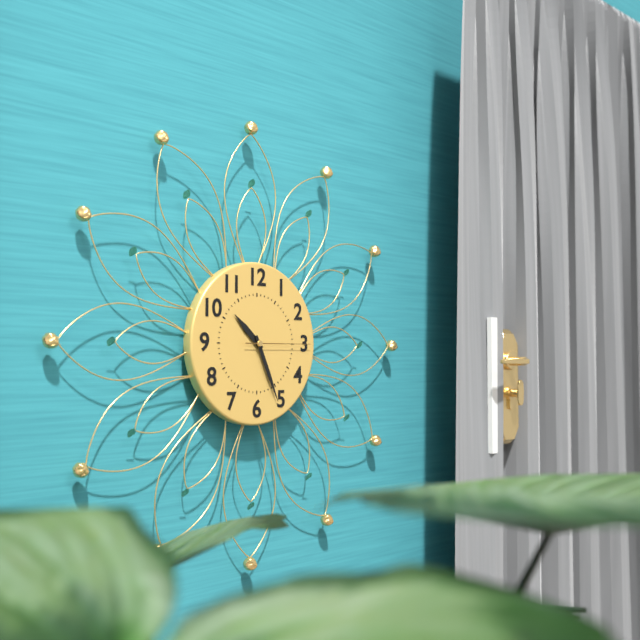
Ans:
10h26m15s
